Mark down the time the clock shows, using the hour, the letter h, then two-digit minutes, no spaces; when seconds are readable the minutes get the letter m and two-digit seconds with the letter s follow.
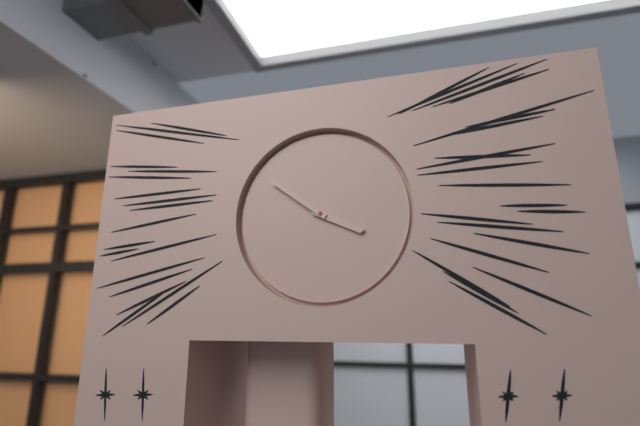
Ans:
3h51
